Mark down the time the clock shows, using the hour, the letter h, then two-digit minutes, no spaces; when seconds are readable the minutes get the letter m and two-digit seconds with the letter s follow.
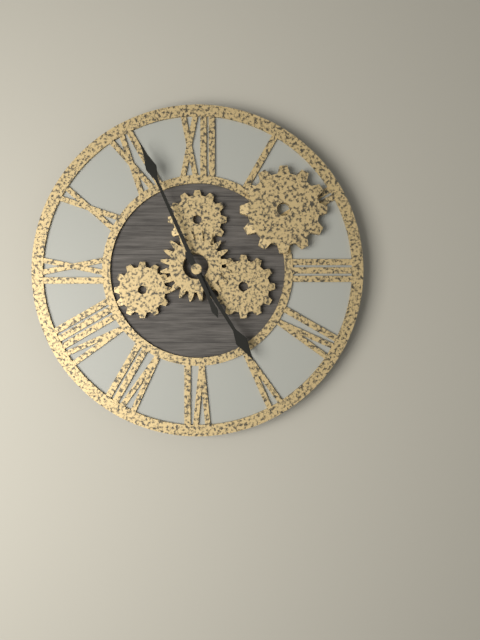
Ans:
4h56
